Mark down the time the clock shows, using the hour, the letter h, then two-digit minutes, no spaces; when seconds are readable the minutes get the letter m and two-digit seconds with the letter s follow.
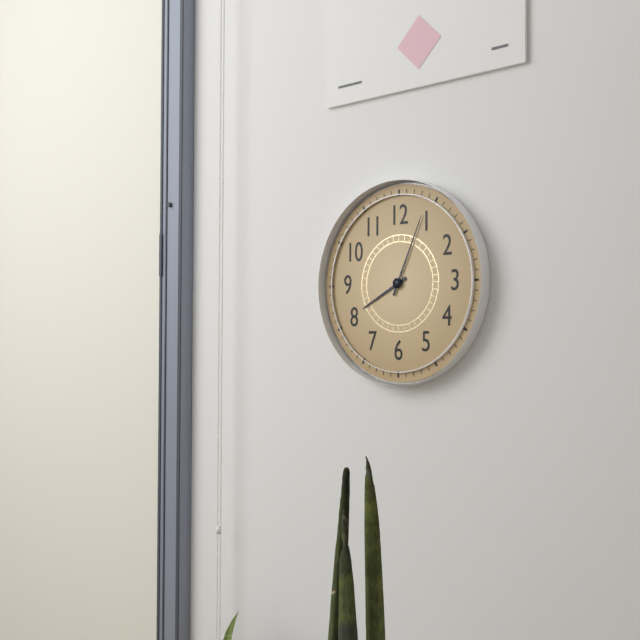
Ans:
8h04
